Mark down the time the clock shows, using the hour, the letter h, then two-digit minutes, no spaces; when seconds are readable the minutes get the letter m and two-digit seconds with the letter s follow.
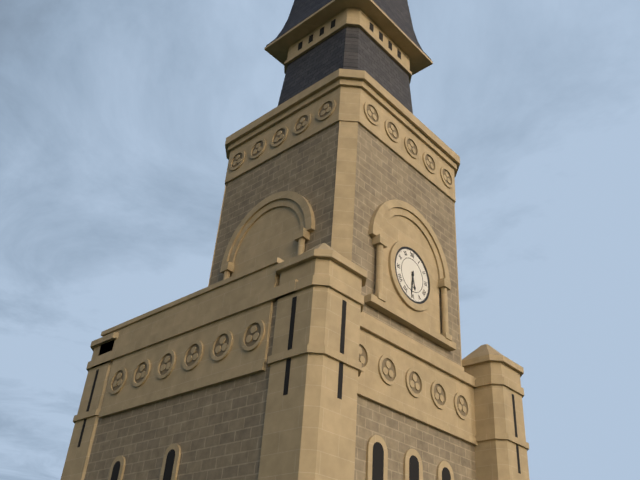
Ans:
5h31
